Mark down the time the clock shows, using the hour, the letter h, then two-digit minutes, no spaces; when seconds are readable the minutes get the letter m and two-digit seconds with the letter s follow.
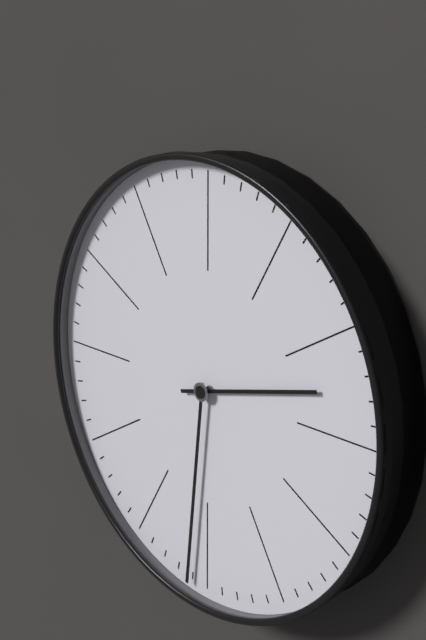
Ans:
2h31
